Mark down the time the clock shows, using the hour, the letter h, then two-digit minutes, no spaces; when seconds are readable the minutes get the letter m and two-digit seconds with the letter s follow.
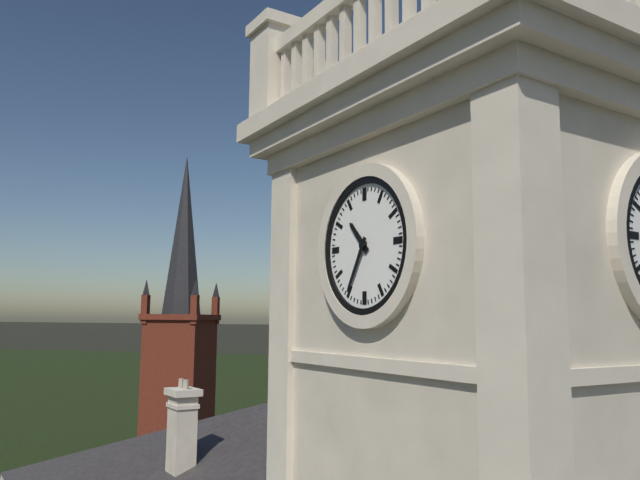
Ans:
10h35
